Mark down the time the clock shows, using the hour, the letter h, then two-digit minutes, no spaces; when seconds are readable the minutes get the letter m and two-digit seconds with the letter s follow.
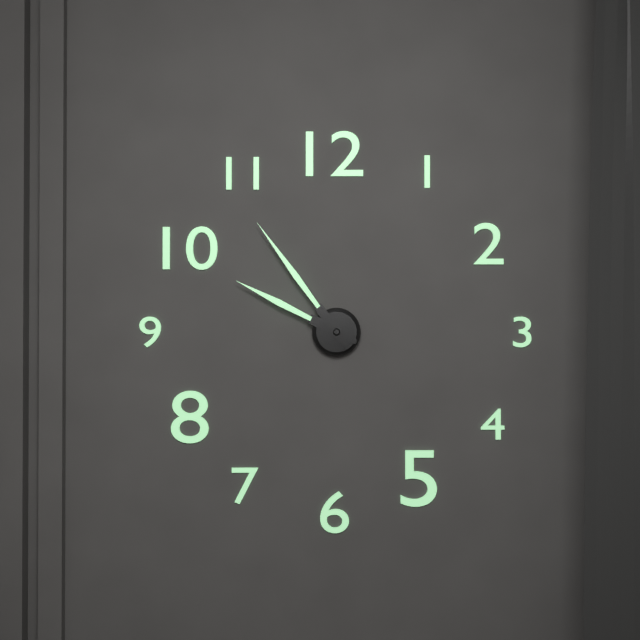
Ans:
9h54
